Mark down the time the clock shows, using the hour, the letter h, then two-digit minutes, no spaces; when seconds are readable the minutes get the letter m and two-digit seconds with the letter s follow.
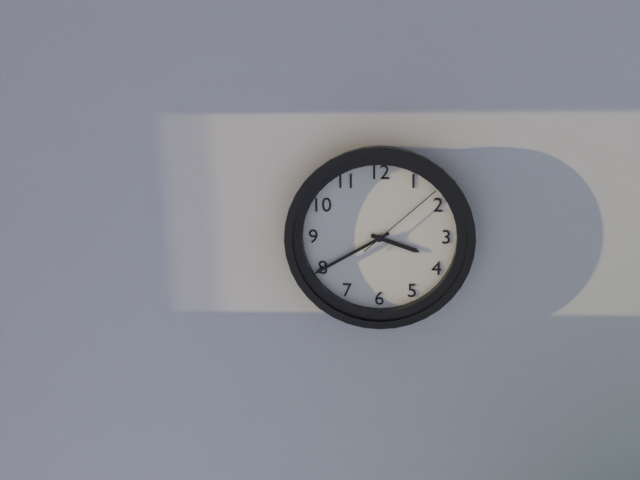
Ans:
3h40m08s
